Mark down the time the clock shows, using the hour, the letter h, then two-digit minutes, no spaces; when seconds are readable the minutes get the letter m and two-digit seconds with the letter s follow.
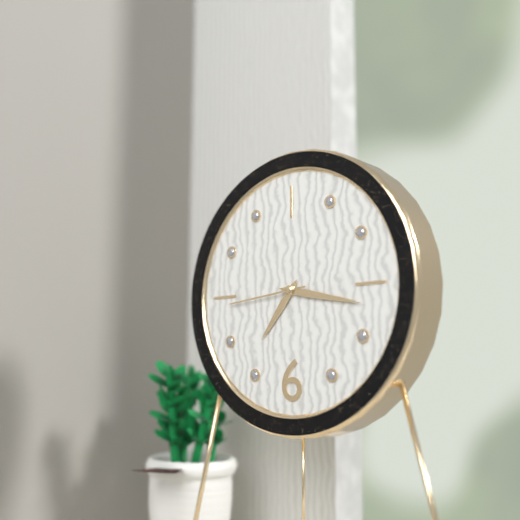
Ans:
7h17m44s
